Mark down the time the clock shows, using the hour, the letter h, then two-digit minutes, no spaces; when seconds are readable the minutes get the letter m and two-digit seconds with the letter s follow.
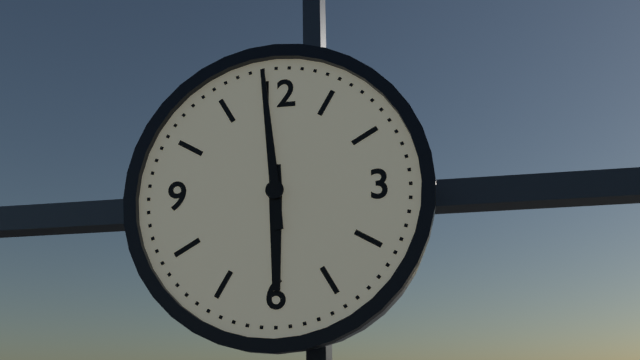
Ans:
5h59
